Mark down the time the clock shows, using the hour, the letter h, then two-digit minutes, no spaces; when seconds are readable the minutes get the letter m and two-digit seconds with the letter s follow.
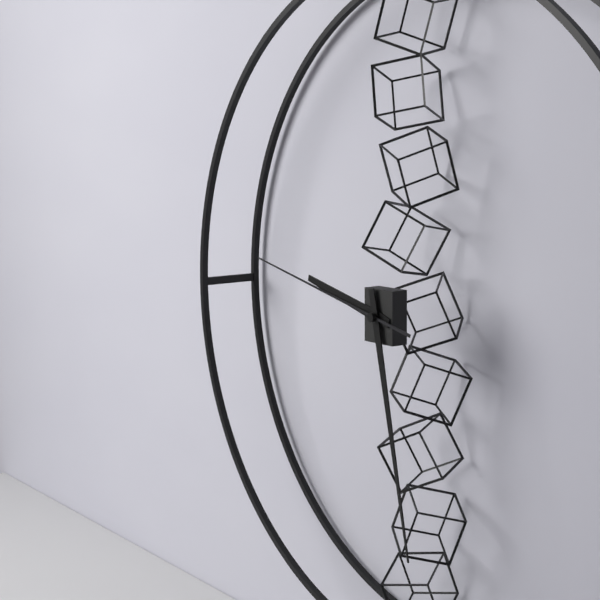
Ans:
9h28m47s
